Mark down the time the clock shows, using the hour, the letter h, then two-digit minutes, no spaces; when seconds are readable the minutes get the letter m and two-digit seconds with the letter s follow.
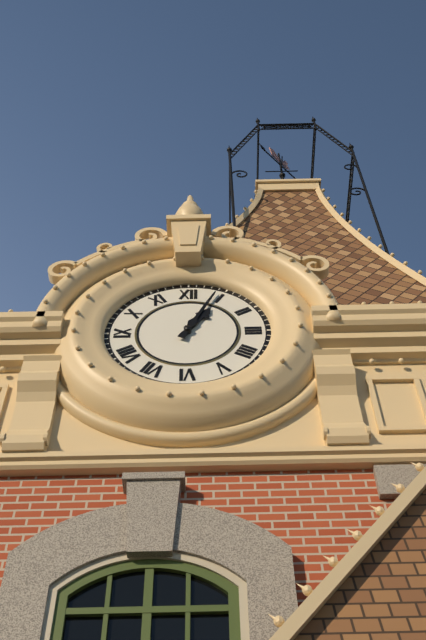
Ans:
1h04
